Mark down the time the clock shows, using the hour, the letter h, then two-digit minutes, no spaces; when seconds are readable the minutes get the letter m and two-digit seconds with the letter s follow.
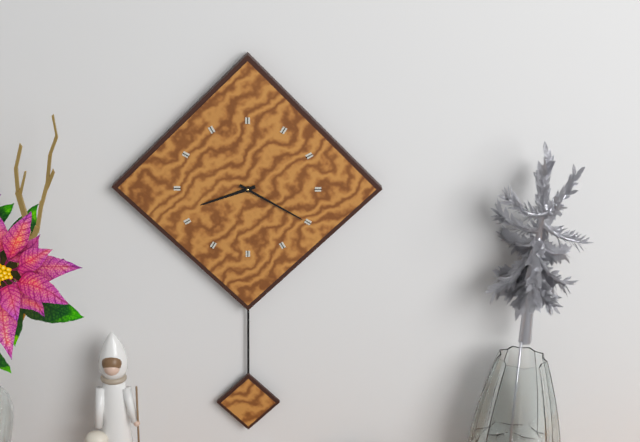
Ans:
8h20
